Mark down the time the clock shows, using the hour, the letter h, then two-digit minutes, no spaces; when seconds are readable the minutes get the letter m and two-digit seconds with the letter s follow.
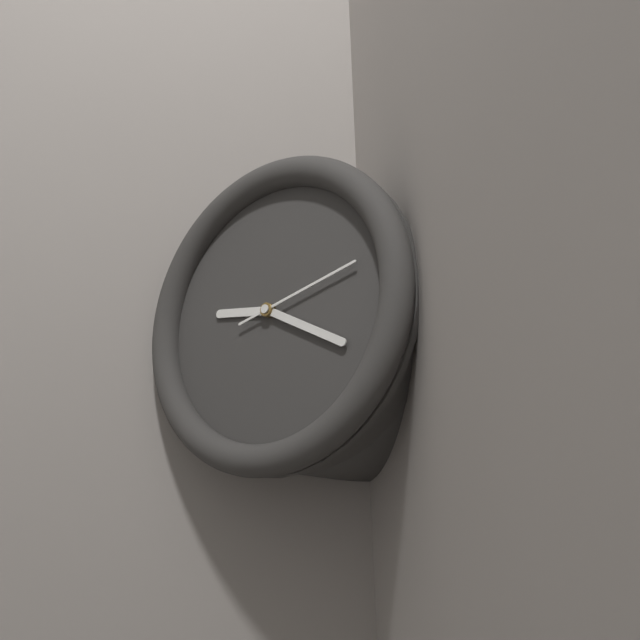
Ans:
9h20m13s
